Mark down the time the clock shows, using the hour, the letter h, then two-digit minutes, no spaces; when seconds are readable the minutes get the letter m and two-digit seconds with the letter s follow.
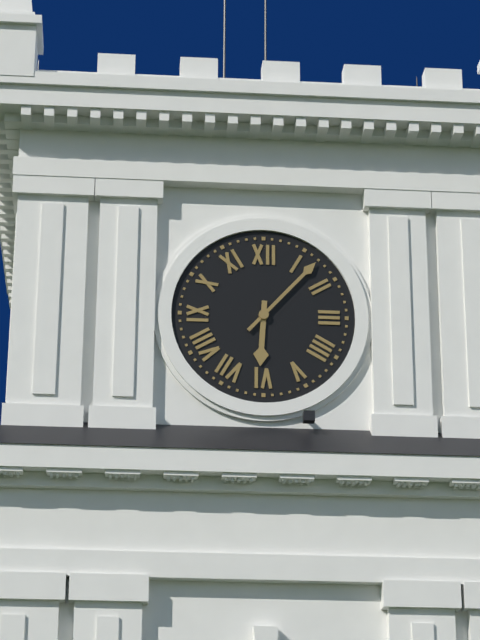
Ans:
6h07
